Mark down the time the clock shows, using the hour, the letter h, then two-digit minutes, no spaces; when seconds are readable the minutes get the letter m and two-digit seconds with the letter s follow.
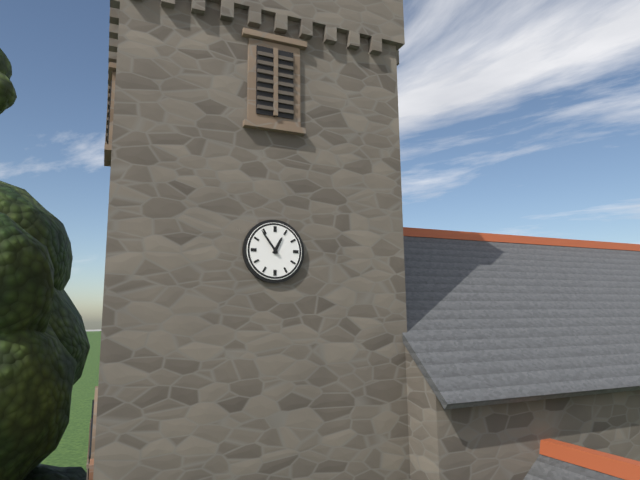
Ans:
12h54
